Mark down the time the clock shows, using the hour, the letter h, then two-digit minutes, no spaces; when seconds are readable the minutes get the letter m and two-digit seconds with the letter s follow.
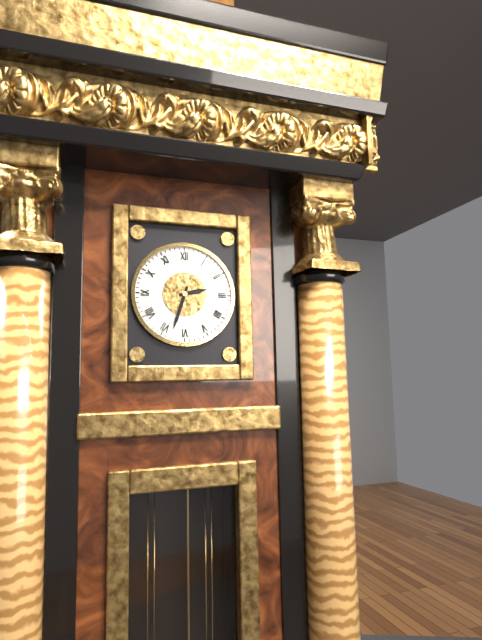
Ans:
2h33
